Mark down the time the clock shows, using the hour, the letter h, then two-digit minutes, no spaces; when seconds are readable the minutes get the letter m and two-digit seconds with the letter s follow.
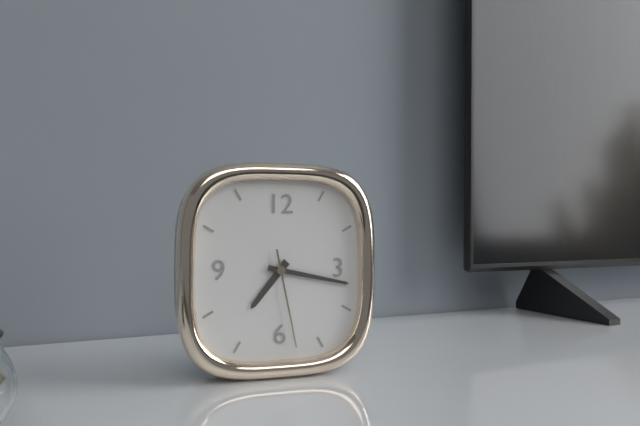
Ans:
7h17m28s
